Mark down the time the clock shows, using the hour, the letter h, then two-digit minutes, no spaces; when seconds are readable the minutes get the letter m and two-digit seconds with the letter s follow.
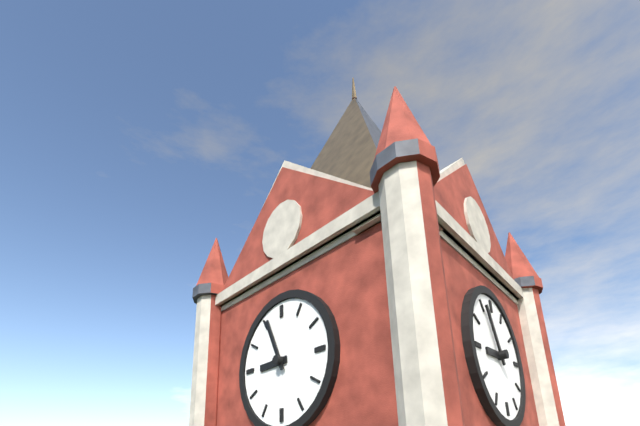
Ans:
8h56
